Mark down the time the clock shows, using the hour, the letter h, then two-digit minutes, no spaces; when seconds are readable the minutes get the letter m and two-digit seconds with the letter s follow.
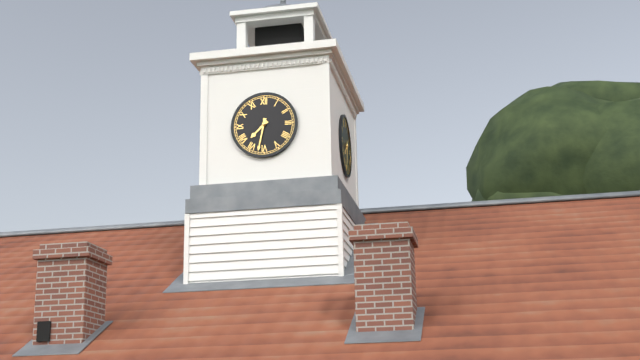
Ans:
7h32
